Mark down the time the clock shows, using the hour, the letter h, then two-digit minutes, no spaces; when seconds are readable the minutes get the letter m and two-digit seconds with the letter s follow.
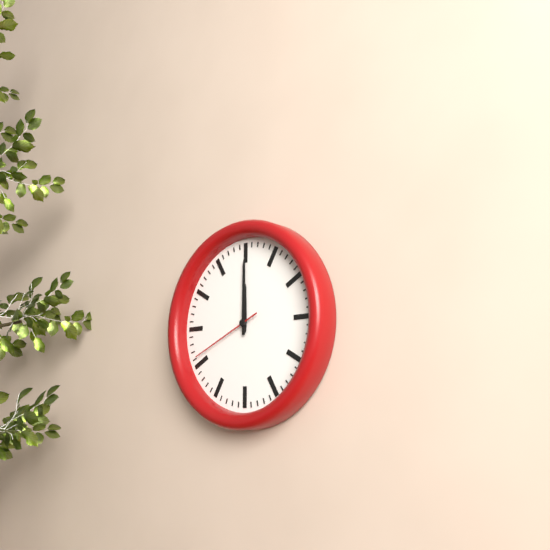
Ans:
12h00m41s
